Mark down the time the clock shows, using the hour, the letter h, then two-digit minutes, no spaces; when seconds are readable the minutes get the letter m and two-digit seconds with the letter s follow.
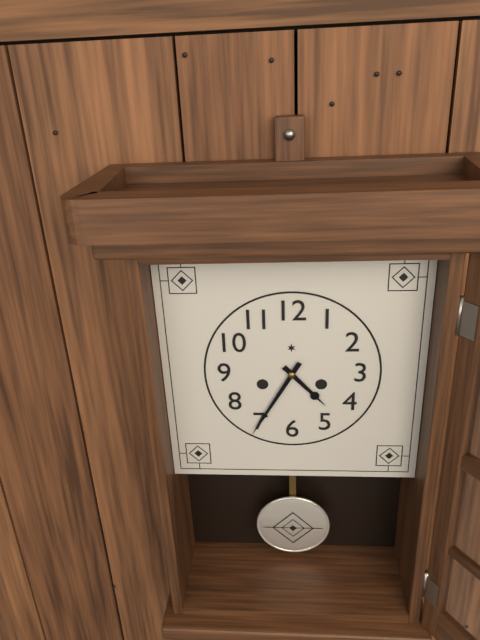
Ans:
4h35
